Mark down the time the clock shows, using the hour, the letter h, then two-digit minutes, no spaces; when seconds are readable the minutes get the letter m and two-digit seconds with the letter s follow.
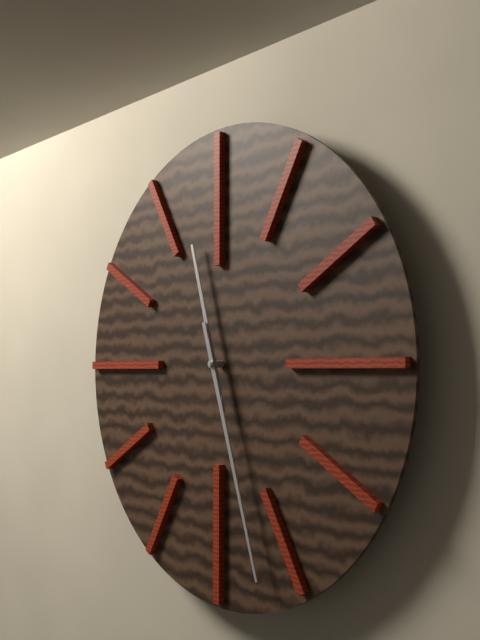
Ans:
11h27
